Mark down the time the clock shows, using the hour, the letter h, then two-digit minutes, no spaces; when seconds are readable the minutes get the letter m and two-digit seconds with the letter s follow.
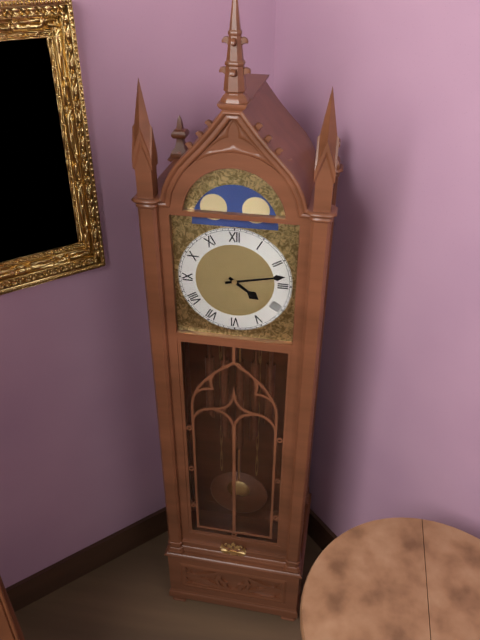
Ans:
4h13
